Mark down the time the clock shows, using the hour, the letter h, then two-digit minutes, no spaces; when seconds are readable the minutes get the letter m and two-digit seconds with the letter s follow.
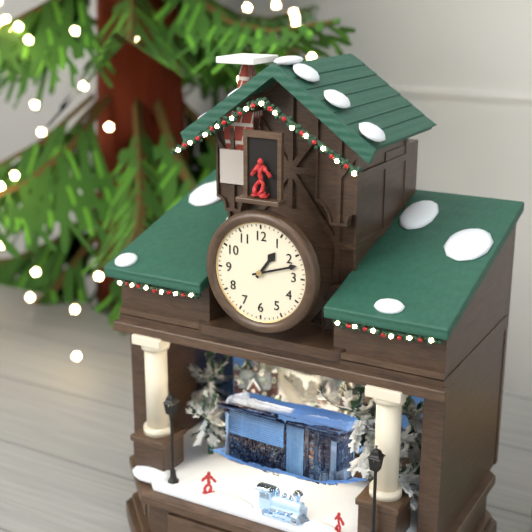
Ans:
1h12
